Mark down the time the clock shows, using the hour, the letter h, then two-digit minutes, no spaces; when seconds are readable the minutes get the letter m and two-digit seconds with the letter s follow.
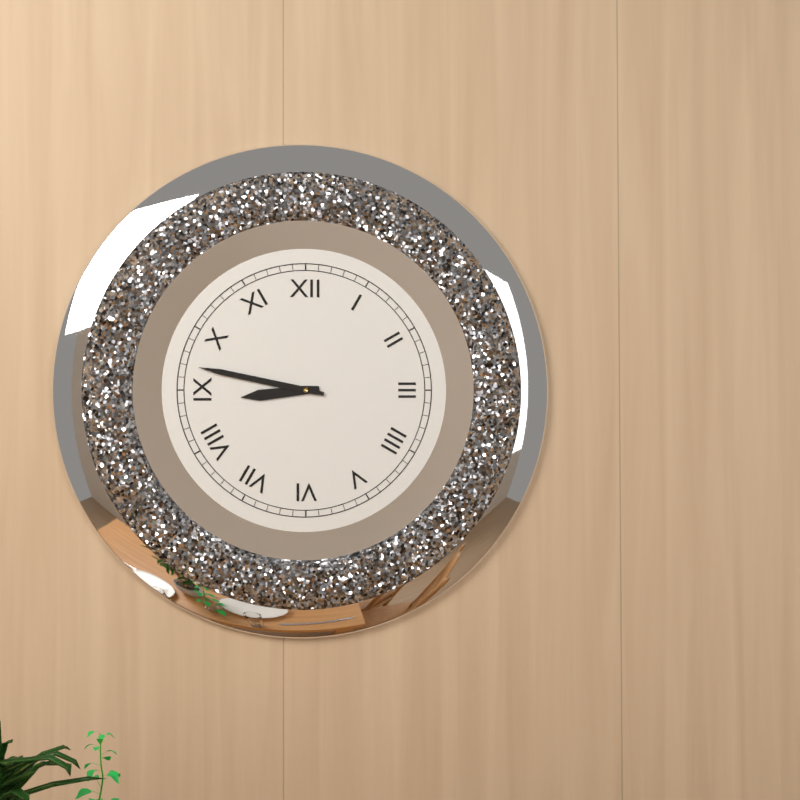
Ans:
8h47
